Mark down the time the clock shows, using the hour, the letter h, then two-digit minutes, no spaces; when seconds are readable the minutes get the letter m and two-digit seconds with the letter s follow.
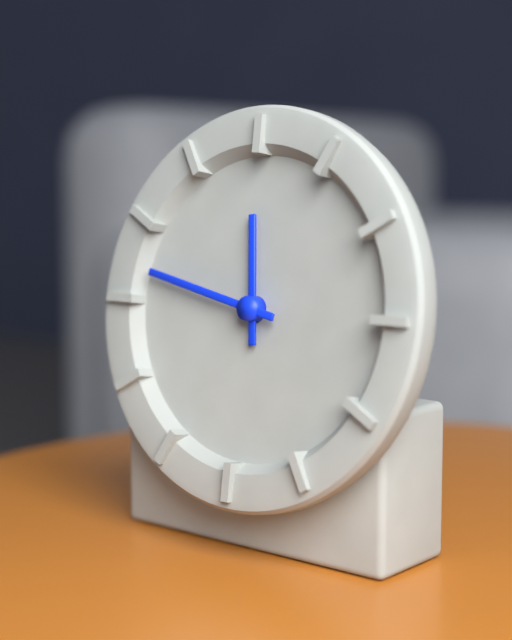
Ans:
11h47
